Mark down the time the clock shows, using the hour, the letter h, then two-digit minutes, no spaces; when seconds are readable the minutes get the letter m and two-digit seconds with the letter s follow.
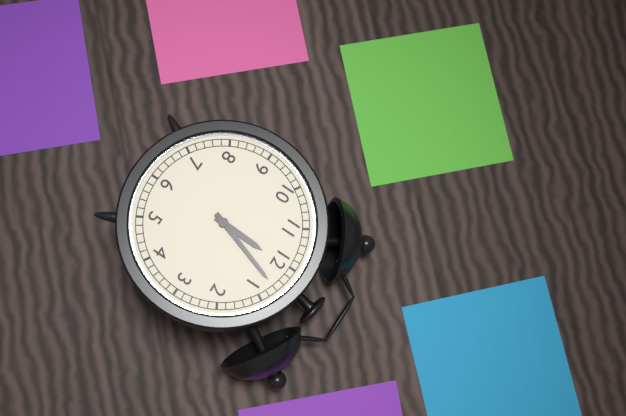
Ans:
12h03
